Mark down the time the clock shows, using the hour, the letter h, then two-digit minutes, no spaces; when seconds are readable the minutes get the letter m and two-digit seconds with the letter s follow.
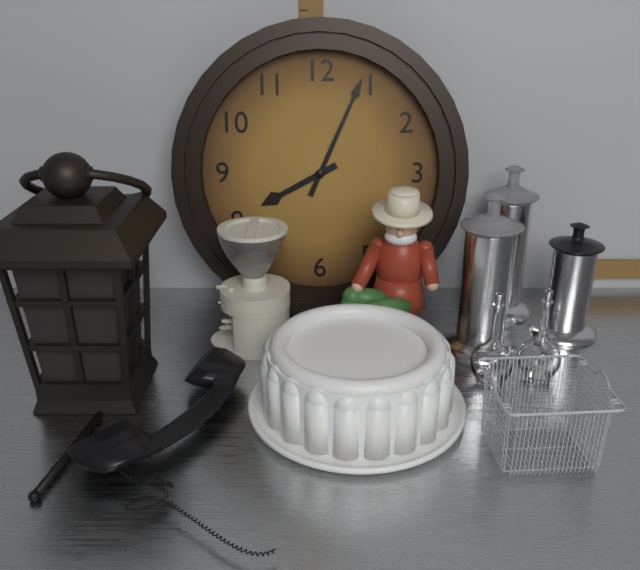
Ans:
8h04
